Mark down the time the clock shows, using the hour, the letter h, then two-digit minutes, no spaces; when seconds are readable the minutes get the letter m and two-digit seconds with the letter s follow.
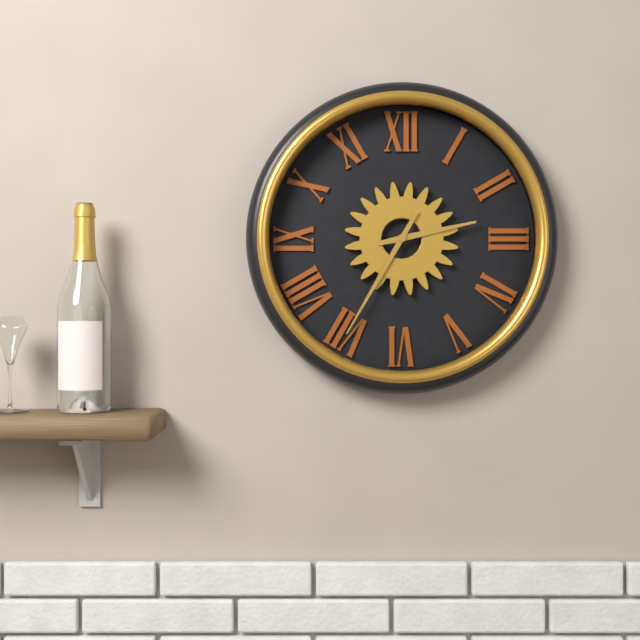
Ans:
2h35
